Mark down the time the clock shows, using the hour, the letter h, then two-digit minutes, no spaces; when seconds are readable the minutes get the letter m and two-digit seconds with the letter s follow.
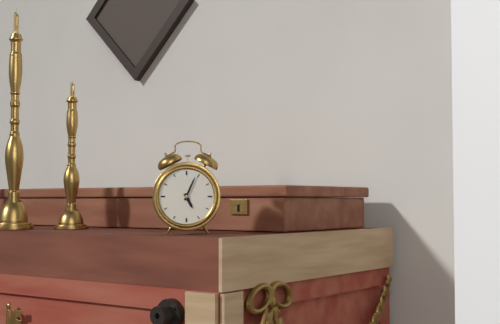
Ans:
5h04
